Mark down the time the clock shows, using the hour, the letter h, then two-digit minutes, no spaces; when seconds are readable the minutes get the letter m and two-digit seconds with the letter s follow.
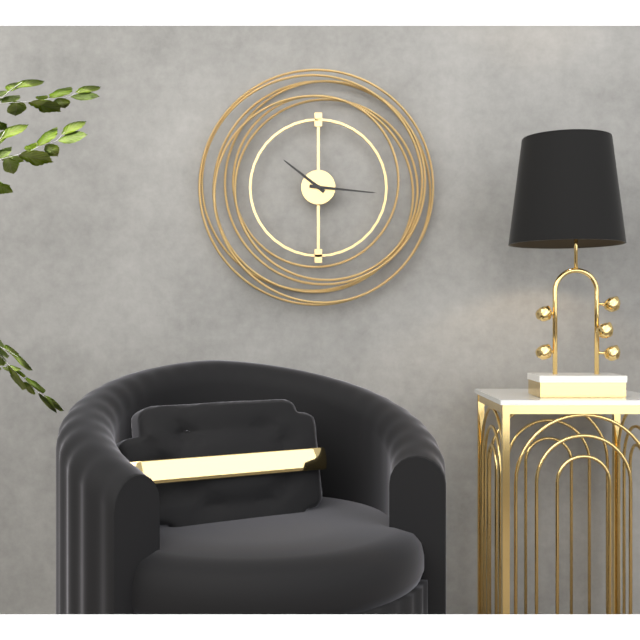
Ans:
10h16
